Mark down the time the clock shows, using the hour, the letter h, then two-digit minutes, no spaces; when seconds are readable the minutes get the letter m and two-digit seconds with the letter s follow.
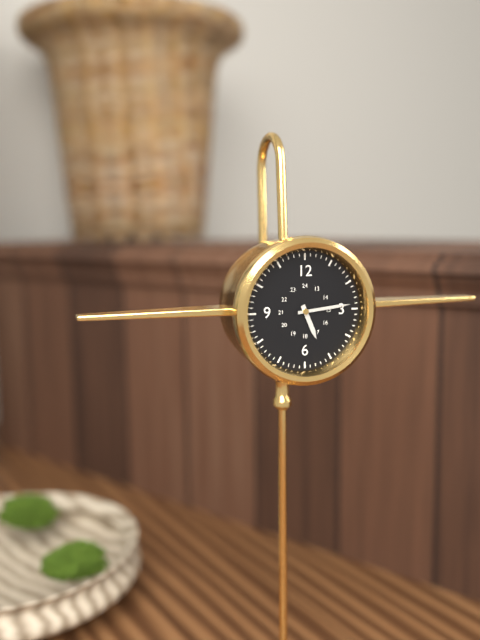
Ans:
5h14
